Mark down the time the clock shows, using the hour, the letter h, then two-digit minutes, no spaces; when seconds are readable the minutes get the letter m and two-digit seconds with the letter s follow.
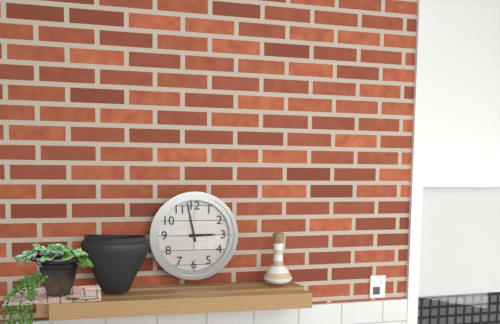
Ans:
2h58
